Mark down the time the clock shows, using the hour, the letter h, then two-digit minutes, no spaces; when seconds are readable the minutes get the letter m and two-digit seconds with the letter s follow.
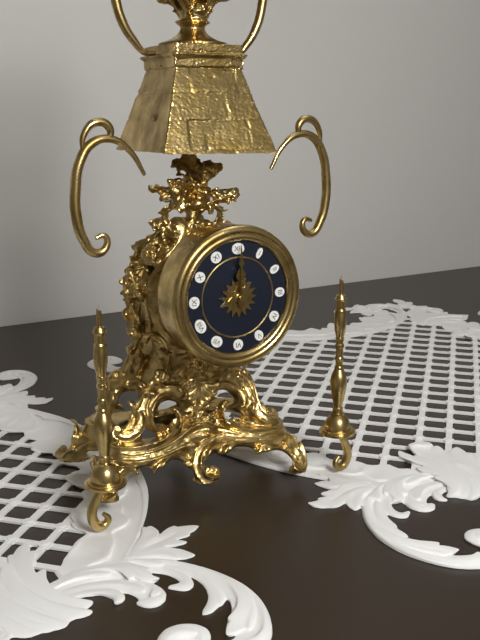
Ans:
12h00
